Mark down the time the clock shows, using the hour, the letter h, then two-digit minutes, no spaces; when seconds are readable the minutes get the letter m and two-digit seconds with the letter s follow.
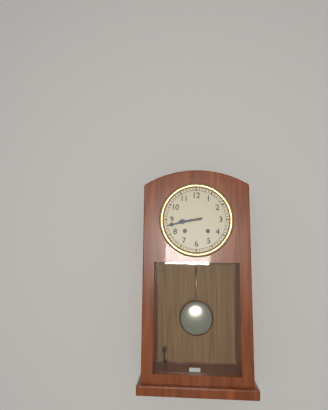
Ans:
8h43
